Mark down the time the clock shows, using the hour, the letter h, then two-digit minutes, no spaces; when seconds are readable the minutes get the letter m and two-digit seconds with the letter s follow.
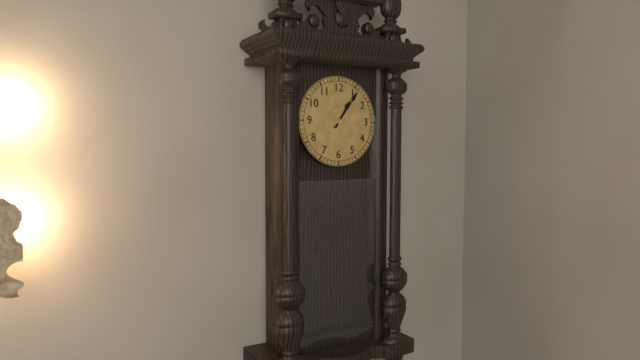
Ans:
1h06
